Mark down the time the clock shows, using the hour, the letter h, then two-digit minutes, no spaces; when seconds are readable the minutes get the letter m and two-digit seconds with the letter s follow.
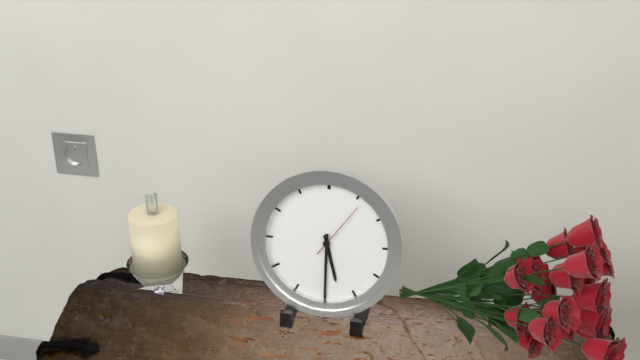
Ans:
5h30m06s
